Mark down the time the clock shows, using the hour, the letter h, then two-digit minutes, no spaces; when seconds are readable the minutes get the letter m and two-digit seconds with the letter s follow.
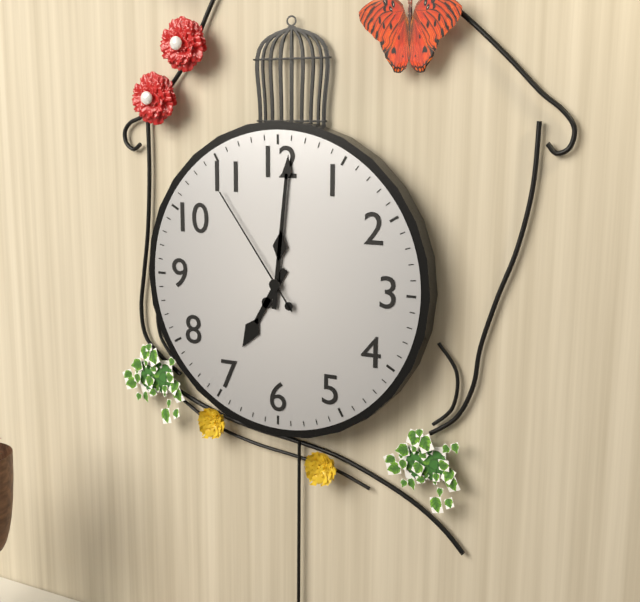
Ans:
7h01m54s
